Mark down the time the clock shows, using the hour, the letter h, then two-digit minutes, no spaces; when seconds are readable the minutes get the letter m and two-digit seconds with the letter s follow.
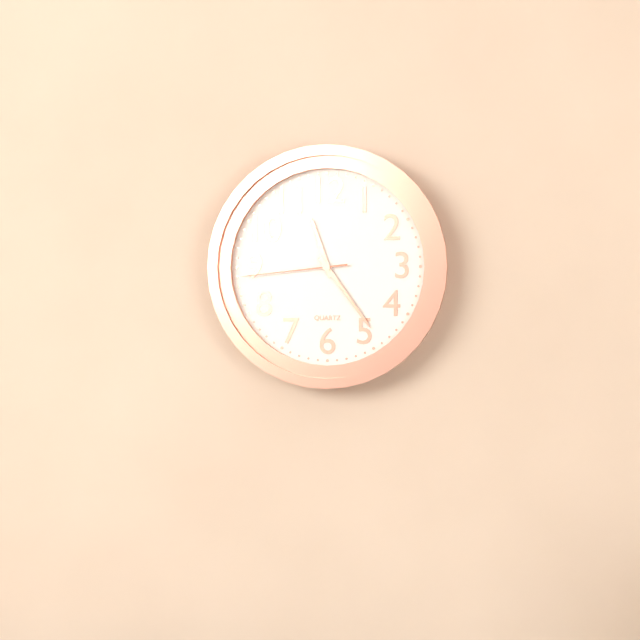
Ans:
11h24m44s
